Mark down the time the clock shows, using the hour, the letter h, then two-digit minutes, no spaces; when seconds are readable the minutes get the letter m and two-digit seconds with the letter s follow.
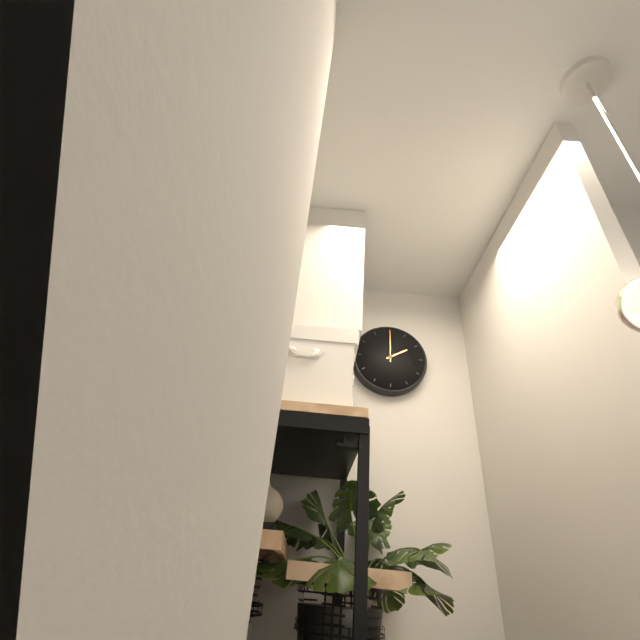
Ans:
2h00
